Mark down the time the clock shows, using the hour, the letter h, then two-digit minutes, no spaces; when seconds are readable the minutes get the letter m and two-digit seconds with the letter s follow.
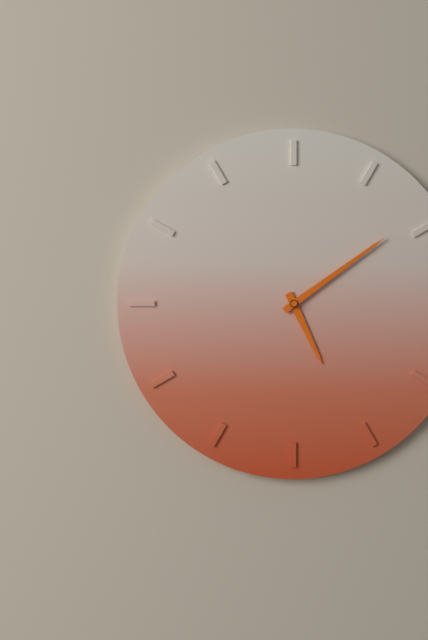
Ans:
5h09
